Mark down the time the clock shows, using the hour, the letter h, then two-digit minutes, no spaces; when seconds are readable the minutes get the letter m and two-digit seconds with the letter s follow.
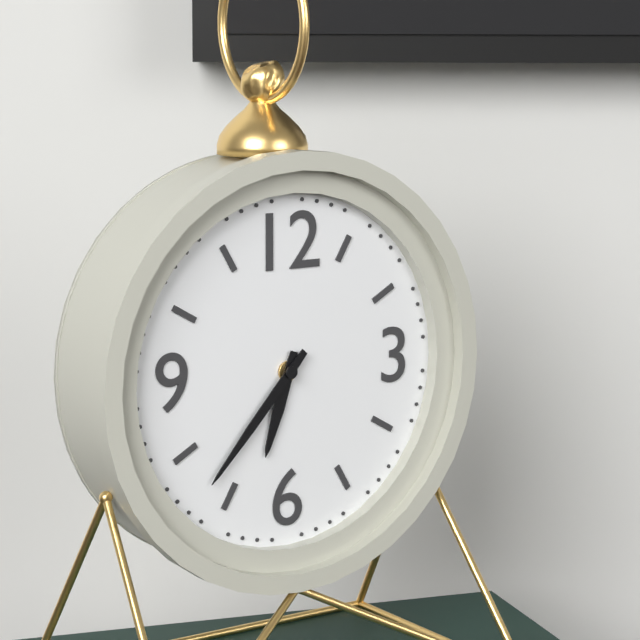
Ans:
6h37
